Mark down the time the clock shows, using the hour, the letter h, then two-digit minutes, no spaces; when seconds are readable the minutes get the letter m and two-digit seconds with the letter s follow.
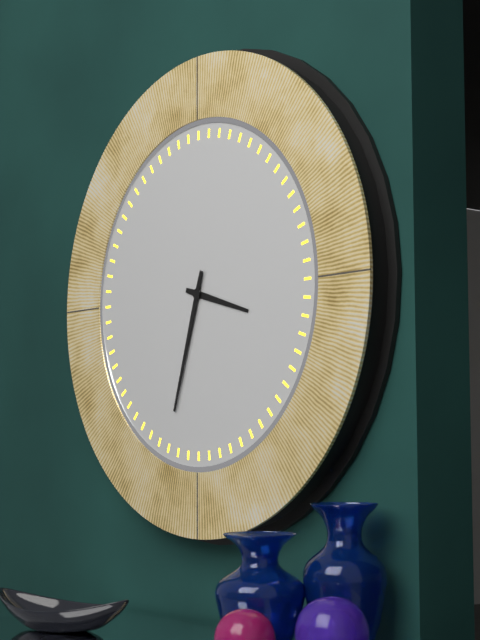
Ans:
3h33
